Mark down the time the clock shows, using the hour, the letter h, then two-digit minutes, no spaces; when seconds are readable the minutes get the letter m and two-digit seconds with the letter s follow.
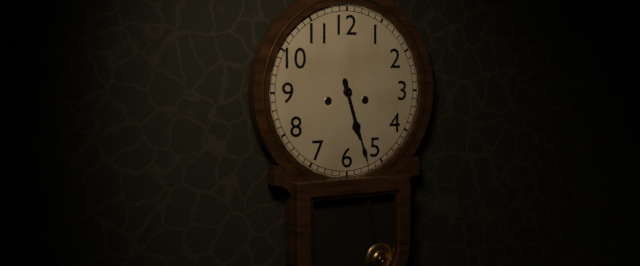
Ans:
5h27
